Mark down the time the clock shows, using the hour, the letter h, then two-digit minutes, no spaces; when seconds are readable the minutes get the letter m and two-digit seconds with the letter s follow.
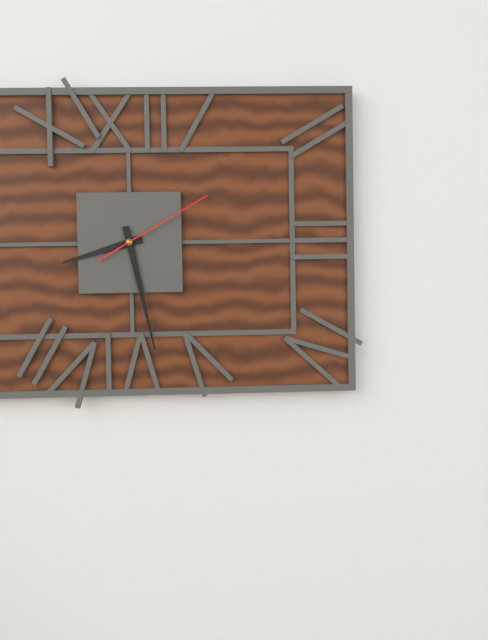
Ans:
8h28m10s
